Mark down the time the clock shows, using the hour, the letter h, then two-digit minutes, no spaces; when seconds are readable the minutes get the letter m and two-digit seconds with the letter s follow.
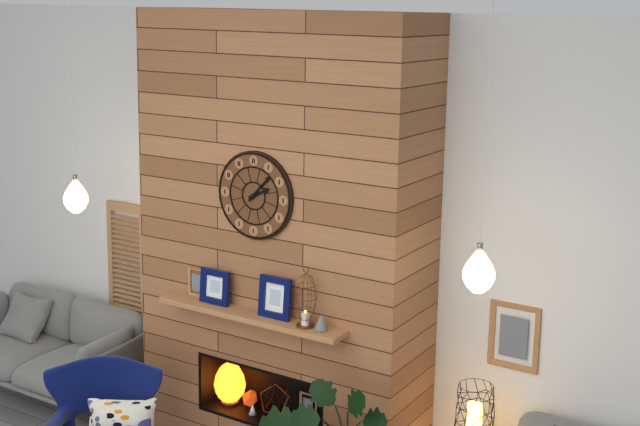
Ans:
2h07
